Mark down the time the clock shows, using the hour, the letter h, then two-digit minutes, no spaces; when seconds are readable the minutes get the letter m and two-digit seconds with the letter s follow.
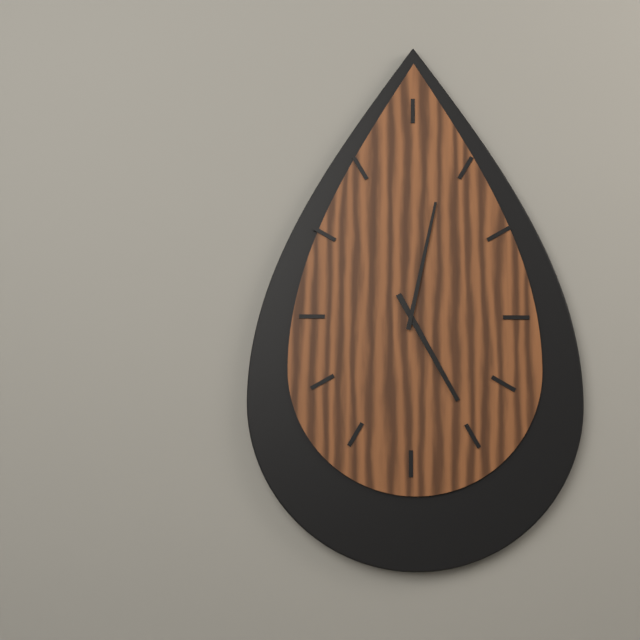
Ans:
5h02
